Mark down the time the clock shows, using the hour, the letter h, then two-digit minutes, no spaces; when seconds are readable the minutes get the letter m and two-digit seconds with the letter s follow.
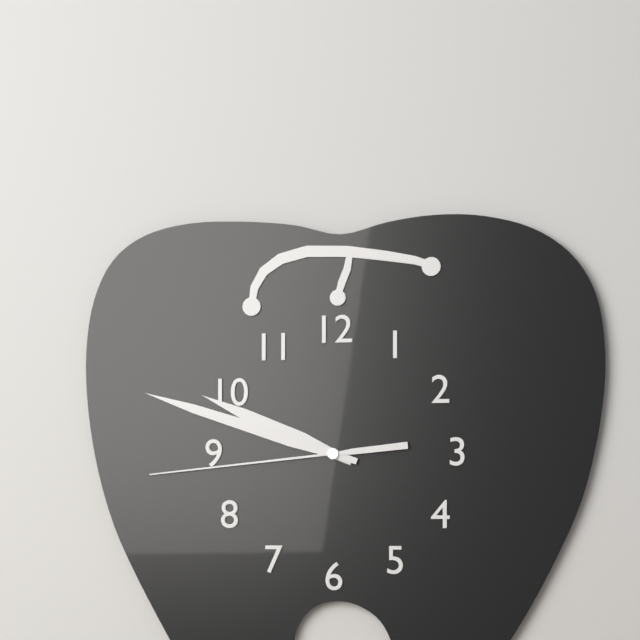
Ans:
9h48m44s
